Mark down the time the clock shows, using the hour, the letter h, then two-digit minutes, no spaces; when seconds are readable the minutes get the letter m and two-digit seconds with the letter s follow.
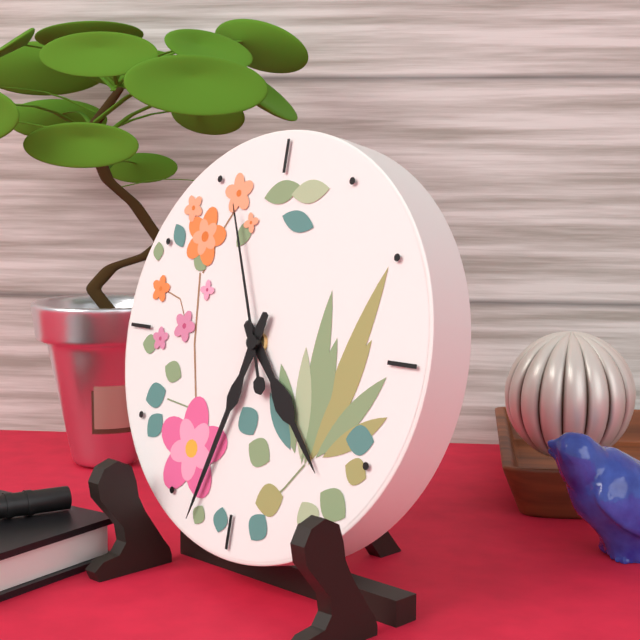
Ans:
4h33m56s
